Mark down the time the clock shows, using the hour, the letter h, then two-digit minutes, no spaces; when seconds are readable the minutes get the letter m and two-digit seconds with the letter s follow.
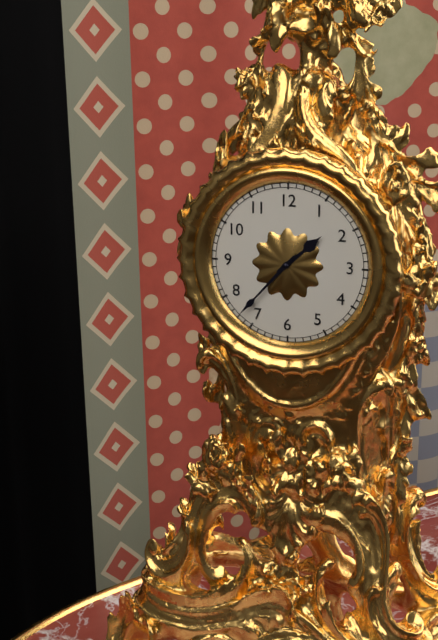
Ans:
1h37
